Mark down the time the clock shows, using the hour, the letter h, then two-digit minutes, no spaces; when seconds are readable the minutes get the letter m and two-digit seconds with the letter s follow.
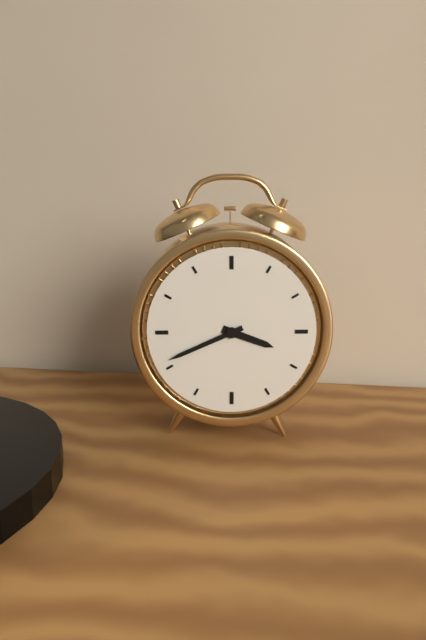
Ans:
3h41
